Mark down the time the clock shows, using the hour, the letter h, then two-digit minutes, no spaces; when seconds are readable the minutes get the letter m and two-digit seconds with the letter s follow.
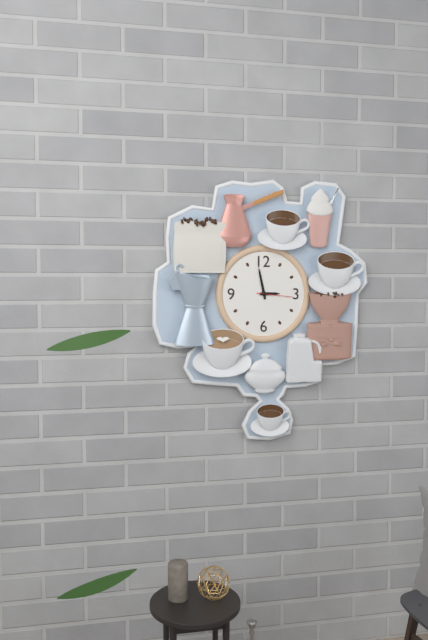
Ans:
2h58
